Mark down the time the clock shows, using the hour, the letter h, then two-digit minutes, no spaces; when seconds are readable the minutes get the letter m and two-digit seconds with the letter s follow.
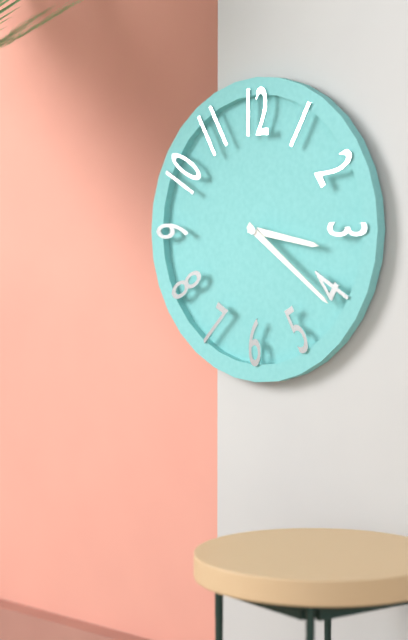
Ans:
3h21
